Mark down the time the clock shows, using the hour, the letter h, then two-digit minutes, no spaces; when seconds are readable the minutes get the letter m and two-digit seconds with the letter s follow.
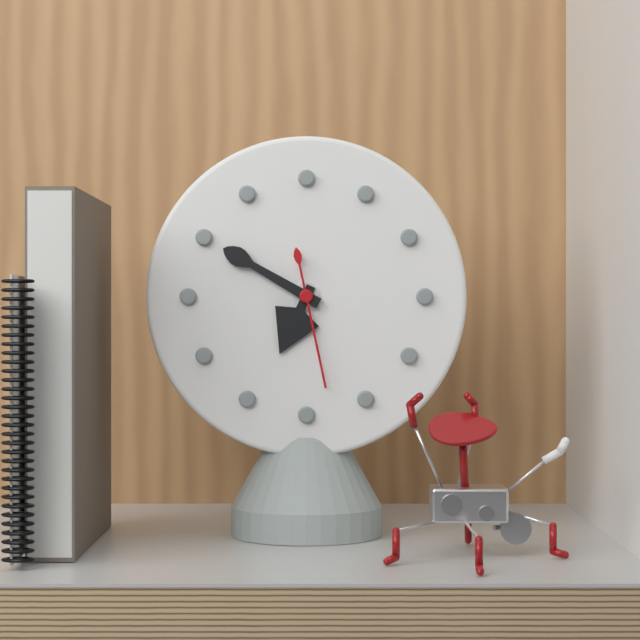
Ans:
6h50m28s
